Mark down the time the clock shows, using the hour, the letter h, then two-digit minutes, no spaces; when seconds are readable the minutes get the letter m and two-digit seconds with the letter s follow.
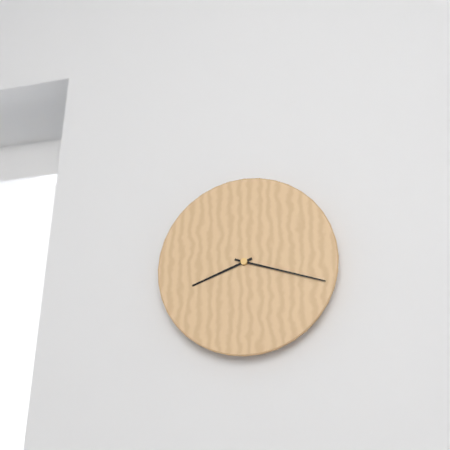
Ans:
8h18
